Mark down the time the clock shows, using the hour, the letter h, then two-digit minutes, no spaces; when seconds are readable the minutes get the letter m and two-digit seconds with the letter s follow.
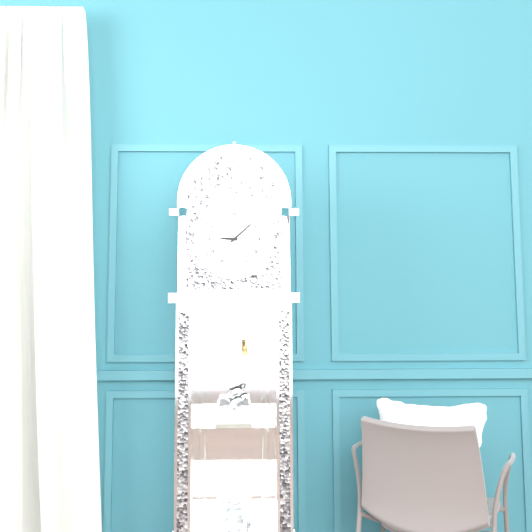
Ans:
9h08
